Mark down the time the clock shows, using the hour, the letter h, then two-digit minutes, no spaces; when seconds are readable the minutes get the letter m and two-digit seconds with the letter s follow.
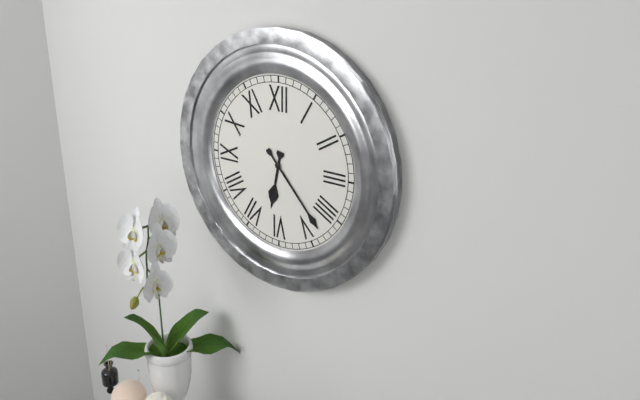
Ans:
6h23
